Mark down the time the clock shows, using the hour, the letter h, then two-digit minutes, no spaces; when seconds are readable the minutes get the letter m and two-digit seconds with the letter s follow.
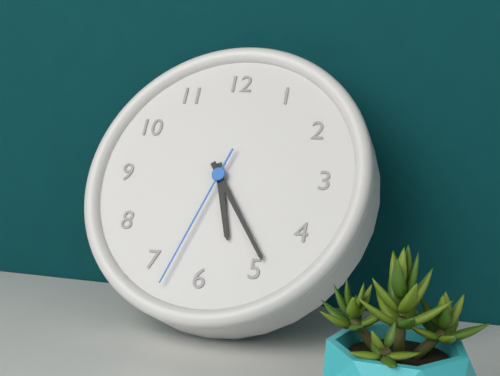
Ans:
5h24m33s
